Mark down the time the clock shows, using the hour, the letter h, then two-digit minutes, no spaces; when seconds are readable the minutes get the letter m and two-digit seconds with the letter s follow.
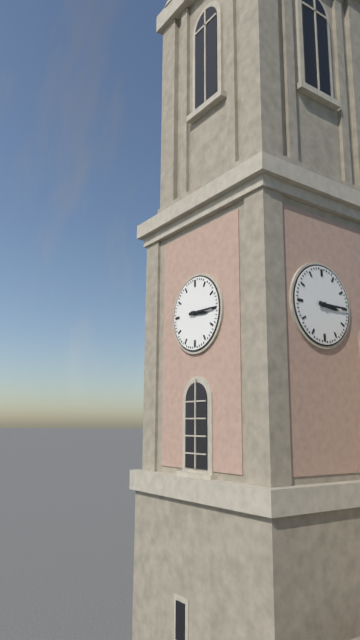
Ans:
3h15
